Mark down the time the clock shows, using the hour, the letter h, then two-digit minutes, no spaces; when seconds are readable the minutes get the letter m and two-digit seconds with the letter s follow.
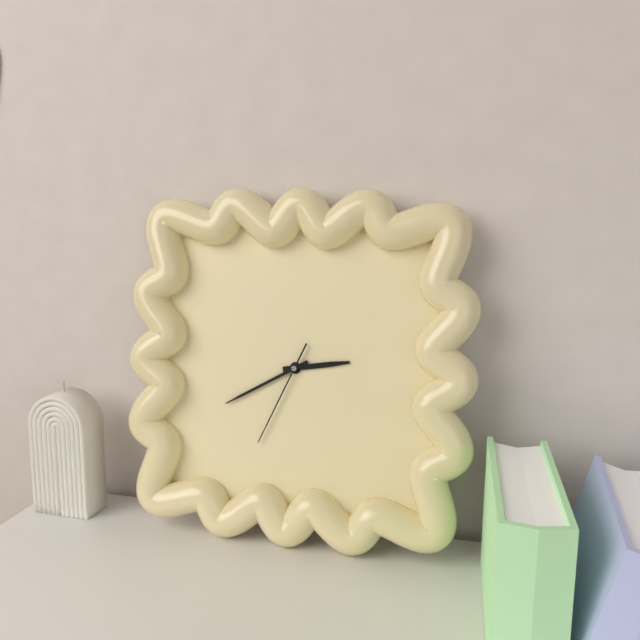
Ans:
2h40m34s
